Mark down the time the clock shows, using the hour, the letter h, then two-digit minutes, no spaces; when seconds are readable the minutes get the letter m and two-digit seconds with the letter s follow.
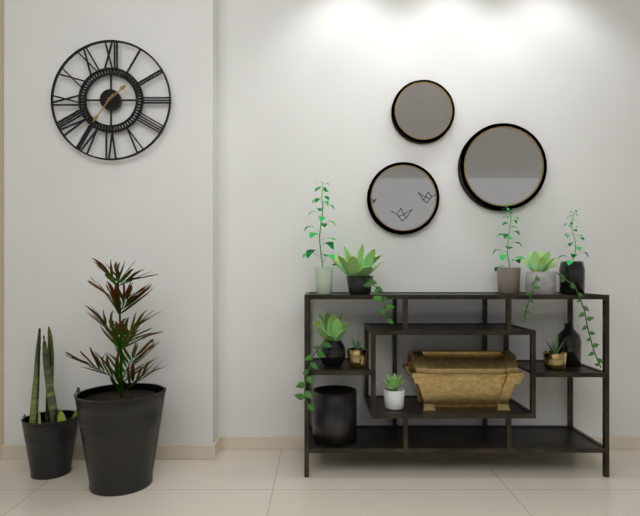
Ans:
1h36
